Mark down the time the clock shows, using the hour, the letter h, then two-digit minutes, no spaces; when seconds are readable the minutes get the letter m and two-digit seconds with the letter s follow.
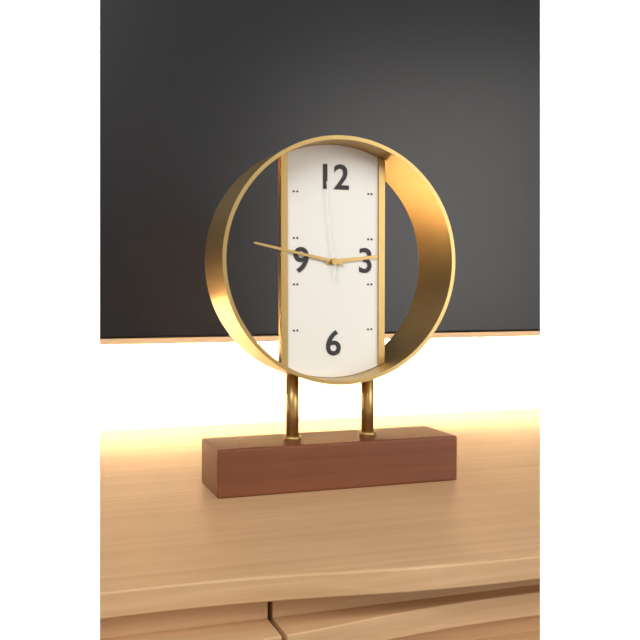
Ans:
2h47m59s
